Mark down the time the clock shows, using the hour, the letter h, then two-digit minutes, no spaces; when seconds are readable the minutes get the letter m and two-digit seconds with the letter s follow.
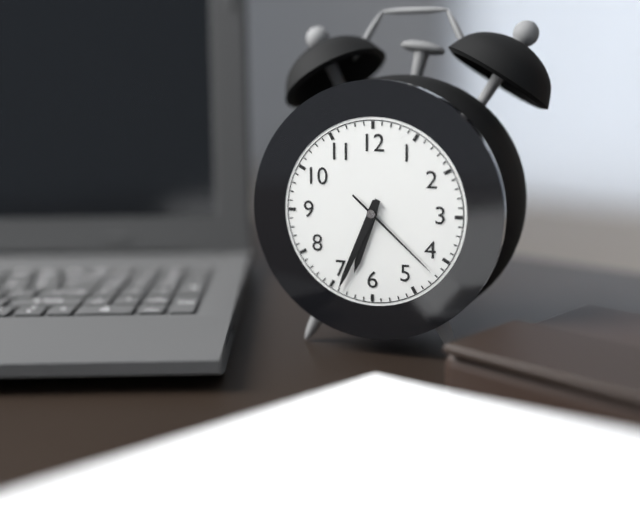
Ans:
6h34m22s
